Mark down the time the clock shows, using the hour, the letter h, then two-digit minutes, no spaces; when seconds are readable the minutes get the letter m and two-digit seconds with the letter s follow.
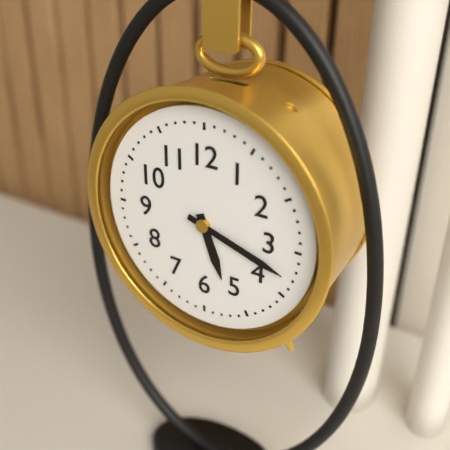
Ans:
5h18
